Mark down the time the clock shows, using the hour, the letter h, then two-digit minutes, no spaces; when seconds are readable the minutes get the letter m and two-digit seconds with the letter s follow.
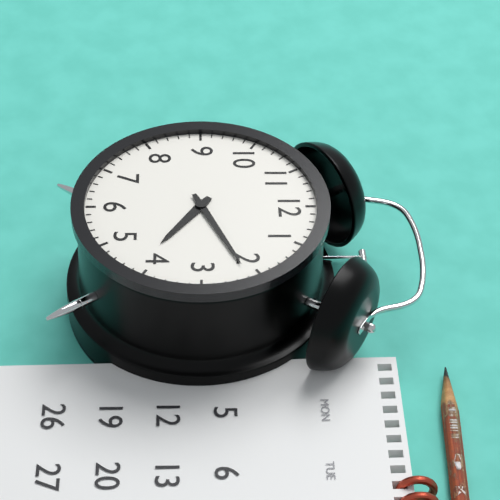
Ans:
4h11
